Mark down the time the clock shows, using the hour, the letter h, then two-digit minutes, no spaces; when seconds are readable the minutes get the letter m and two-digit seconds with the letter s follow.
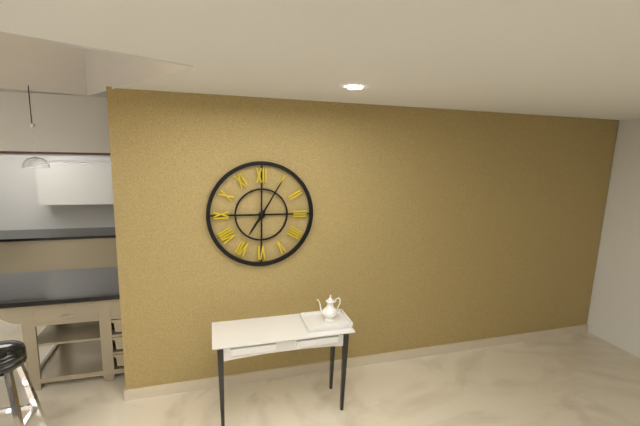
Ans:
7h05
